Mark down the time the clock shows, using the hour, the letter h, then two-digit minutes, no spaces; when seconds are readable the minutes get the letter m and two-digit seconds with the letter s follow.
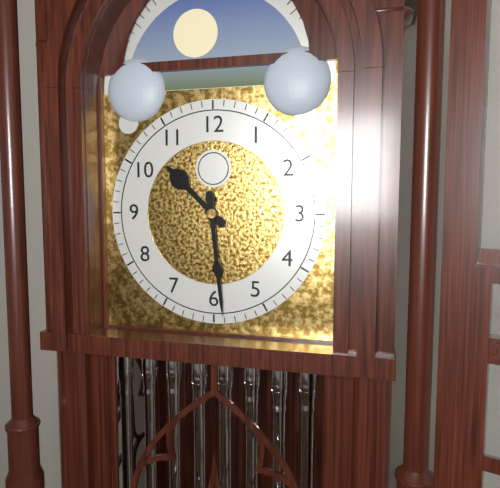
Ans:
10h29
